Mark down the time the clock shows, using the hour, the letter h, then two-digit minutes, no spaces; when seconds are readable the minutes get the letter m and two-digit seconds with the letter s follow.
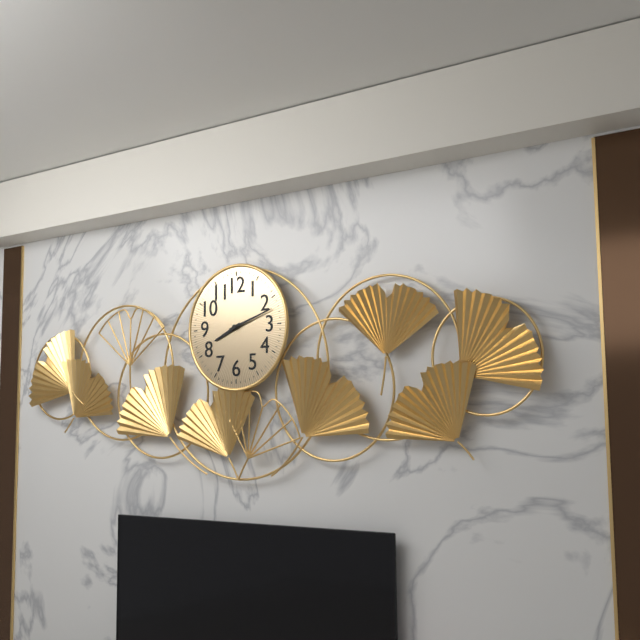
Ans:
8h12
